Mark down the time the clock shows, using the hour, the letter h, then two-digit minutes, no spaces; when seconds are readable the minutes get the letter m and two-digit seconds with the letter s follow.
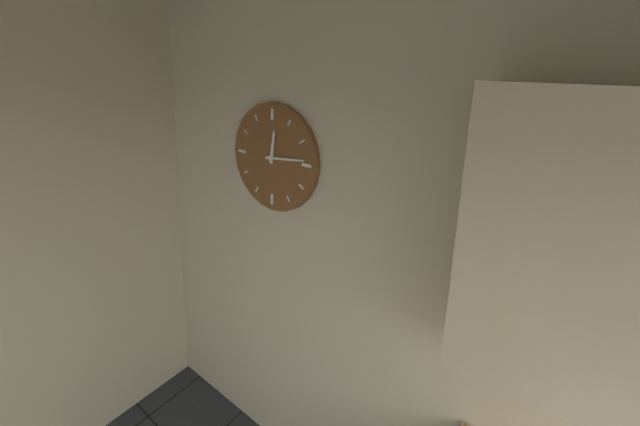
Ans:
12h14
